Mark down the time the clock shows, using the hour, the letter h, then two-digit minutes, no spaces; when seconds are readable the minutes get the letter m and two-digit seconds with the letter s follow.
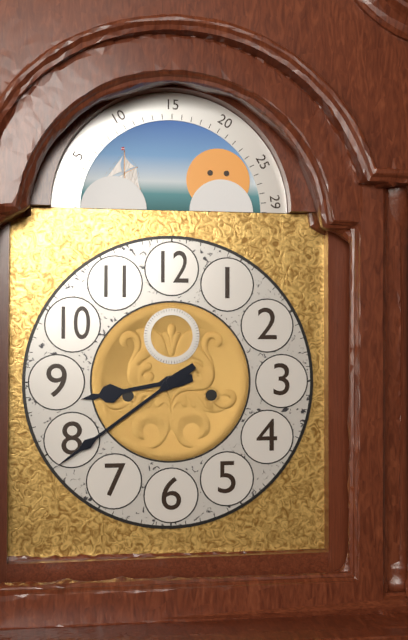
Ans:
8h39
